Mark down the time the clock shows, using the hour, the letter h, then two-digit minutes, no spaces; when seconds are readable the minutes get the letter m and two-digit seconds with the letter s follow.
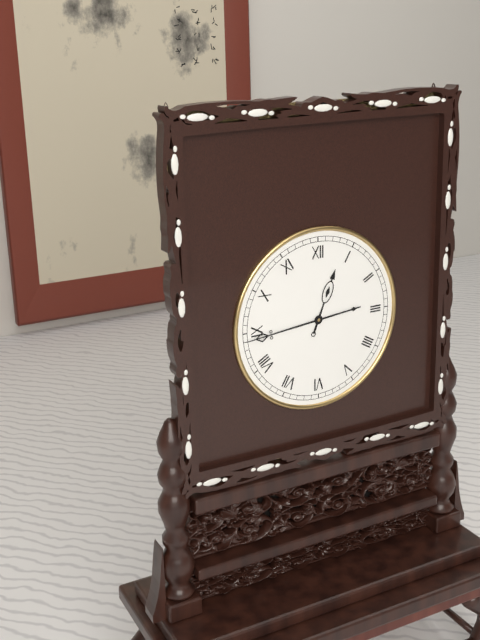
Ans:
12h44
